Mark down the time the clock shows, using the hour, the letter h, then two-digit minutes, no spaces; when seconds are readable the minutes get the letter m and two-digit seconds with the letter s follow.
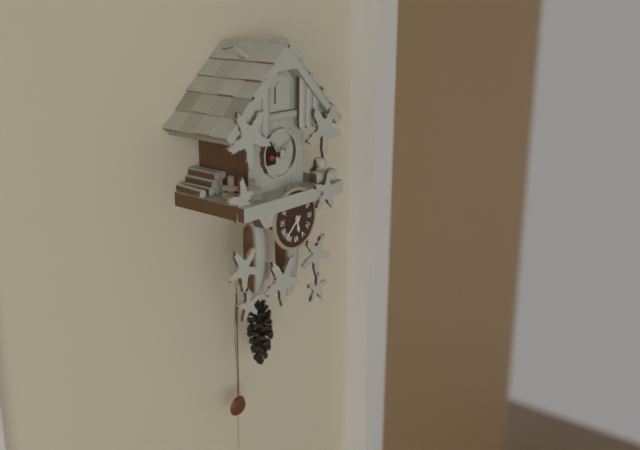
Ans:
5h38
